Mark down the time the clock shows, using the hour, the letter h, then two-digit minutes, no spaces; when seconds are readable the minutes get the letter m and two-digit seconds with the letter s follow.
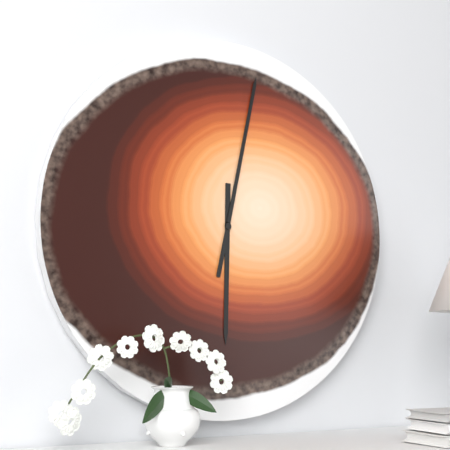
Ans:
6h02
